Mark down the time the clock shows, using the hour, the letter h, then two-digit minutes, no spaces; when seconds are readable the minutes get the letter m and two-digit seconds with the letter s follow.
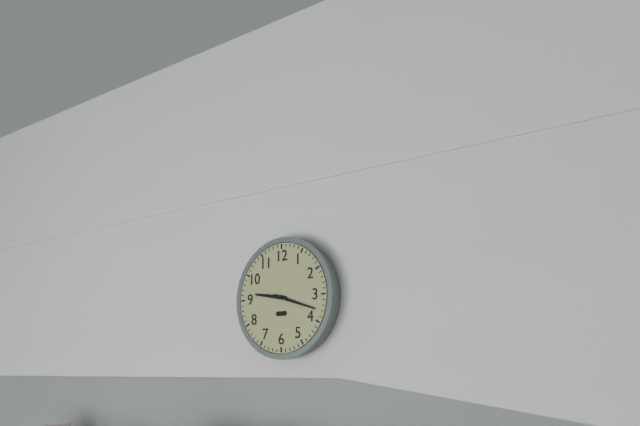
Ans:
9h18
